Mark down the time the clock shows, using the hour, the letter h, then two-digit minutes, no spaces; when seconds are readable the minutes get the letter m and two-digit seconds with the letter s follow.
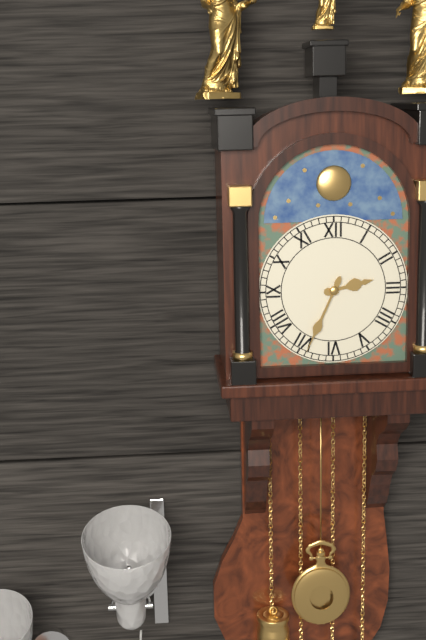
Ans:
2h34
